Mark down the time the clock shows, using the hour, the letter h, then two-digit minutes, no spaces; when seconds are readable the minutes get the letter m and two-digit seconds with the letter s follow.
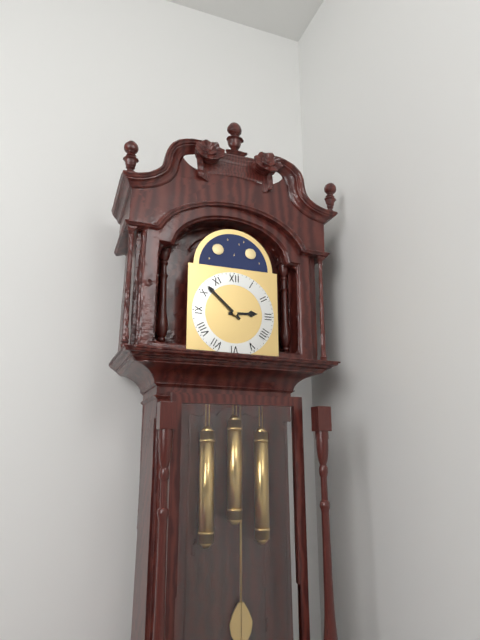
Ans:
2h52
